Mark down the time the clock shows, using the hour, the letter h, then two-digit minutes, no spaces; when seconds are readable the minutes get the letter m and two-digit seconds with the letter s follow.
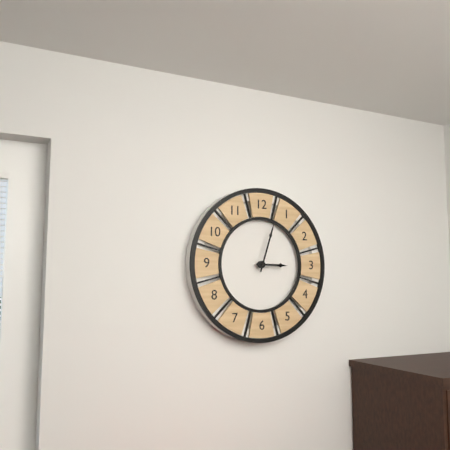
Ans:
3h03
